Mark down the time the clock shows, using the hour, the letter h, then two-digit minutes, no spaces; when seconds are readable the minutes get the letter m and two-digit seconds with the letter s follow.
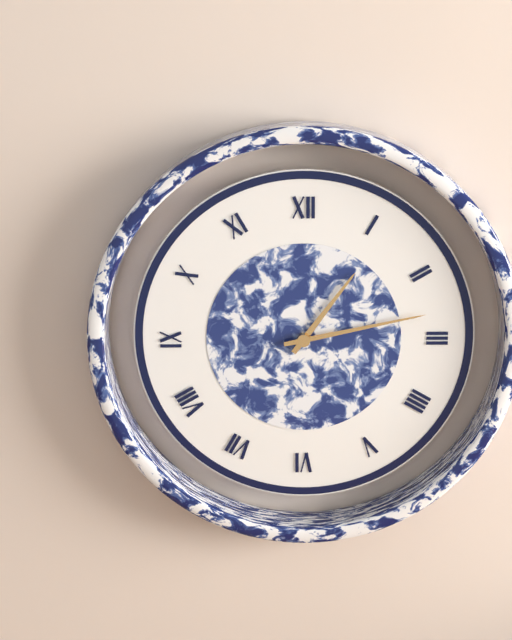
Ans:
1h13
